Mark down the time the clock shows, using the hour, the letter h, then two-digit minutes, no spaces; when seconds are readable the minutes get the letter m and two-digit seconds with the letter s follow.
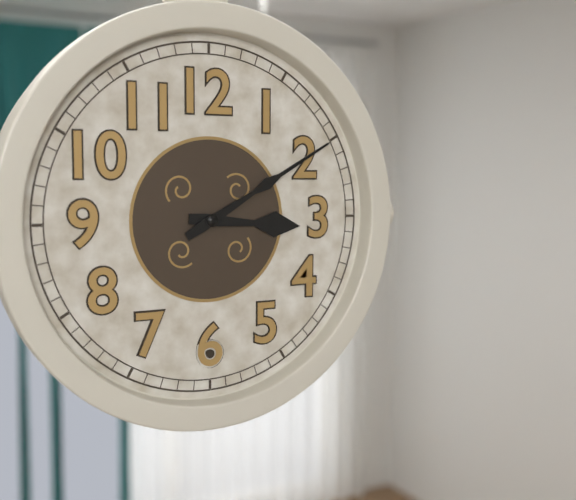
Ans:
3h10
